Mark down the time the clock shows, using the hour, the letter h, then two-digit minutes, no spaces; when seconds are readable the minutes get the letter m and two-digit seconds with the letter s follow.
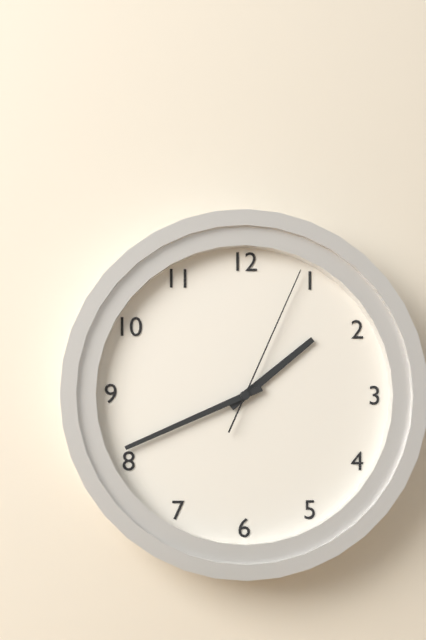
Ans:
1h41m04s
